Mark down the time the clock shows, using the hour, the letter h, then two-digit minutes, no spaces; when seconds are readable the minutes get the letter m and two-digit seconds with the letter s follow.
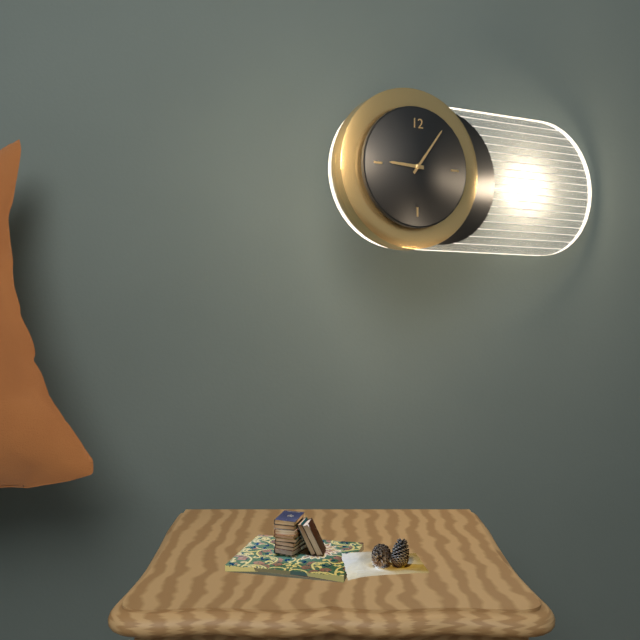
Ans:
9h06
